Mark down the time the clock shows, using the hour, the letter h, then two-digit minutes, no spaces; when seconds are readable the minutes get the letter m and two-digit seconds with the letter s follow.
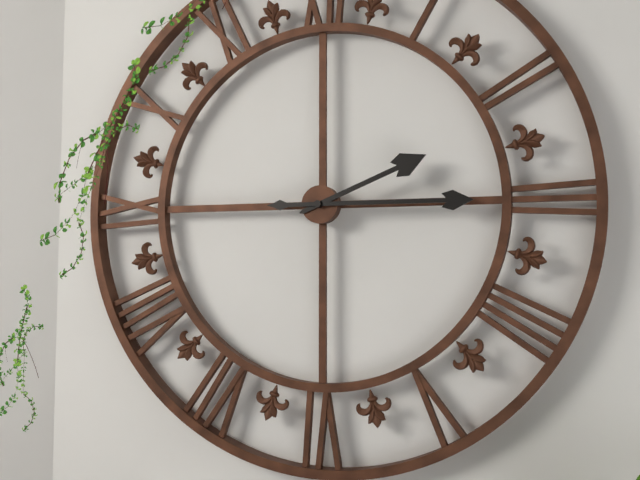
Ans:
2h15
